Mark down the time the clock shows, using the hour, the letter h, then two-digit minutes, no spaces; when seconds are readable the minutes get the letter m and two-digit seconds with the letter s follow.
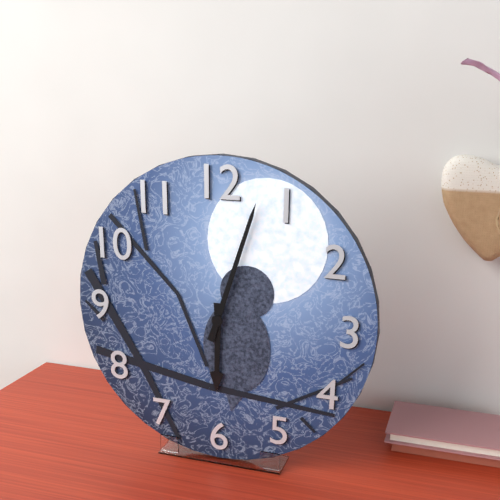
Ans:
6h03
